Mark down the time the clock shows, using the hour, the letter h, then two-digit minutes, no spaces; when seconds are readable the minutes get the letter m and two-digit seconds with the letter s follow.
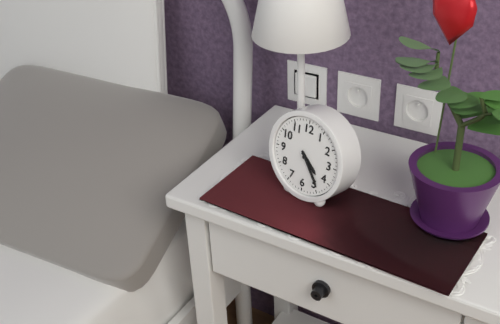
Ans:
4h24
